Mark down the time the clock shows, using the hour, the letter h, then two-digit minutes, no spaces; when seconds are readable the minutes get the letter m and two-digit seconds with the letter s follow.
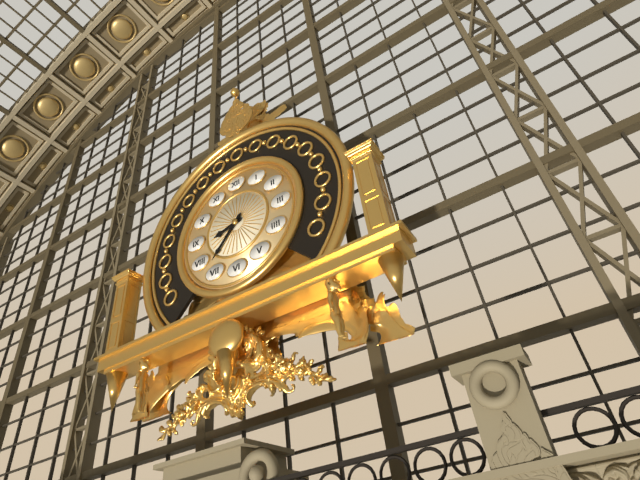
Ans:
8h37
